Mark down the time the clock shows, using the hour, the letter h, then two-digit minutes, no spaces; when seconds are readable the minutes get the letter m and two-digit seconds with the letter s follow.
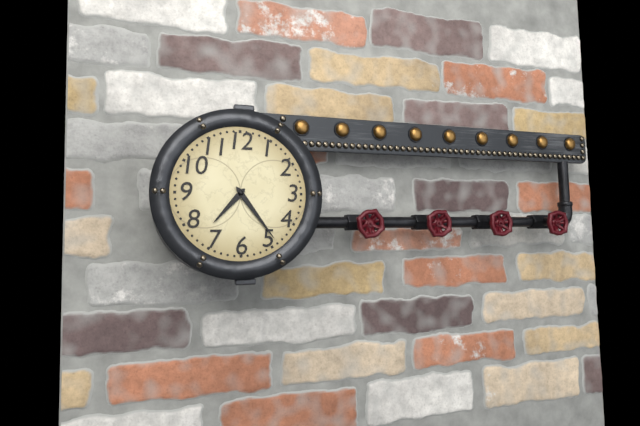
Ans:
7h24
